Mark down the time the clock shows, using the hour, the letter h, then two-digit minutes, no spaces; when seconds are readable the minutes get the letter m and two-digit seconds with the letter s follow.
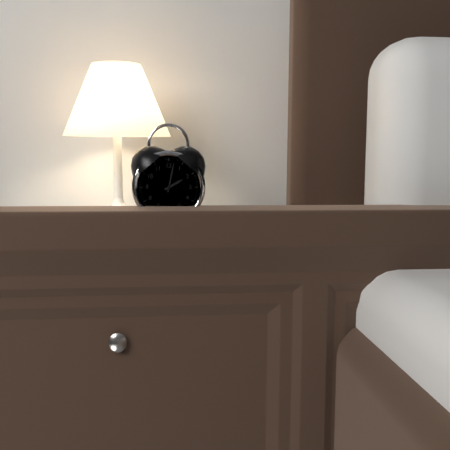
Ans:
2h02
